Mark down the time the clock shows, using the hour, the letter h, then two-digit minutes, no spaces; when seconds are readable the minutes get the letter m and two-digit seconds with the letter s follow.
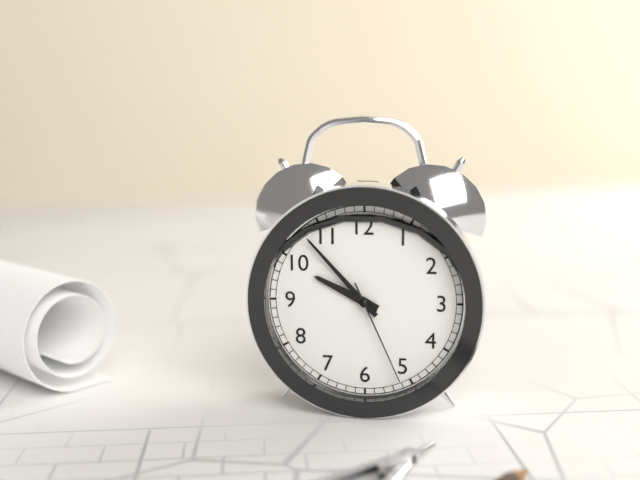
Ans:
9h53m26s
